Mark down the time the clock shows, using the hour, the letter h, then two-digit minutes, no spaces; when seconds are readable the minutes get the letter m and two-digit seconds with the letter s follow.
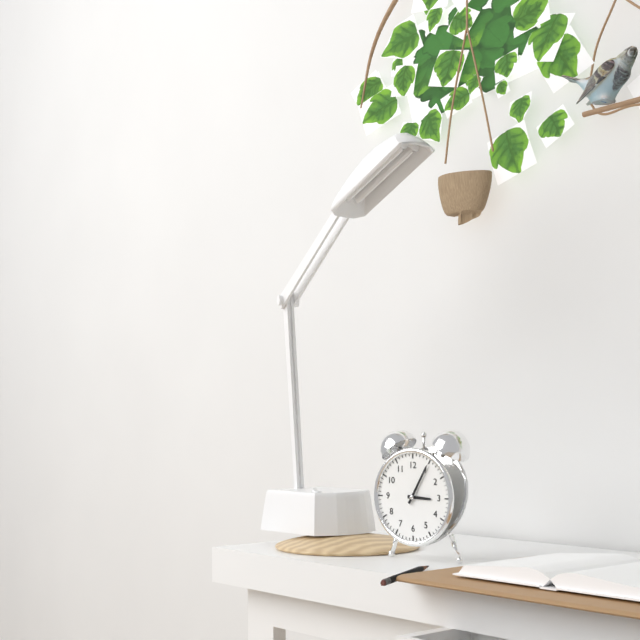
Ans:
3h05
